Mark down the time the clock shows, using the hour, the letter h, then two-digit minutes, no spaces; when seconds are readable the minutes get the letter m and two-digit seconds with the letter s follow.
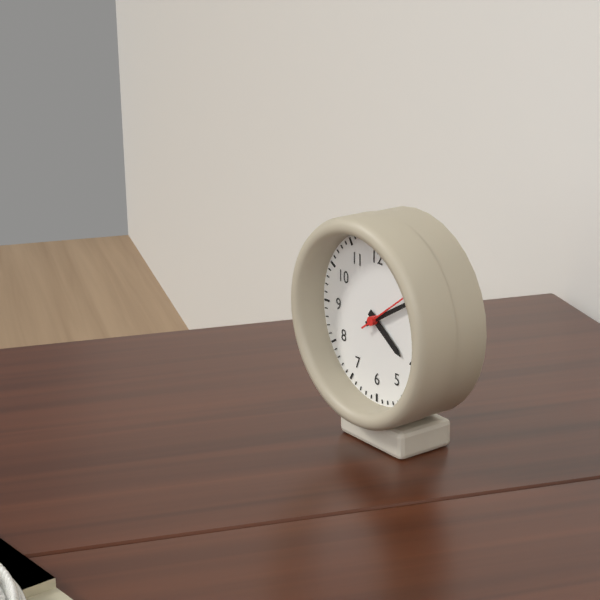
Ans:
4h10m09s
